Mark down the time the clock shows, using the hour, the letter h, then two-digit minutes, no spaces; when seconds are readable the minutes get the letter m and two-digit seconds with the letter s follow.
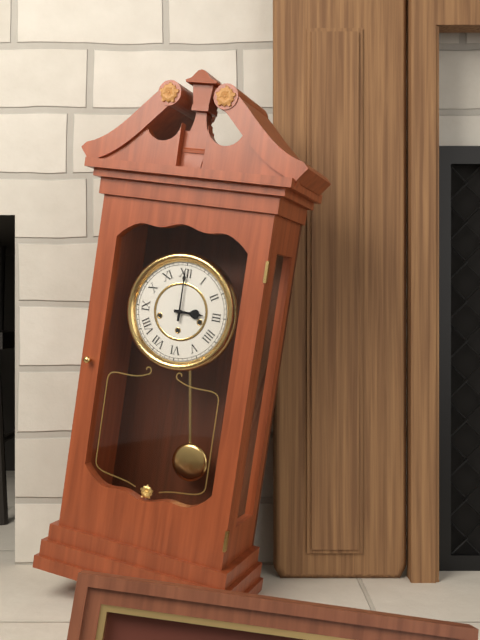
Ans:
3h00
